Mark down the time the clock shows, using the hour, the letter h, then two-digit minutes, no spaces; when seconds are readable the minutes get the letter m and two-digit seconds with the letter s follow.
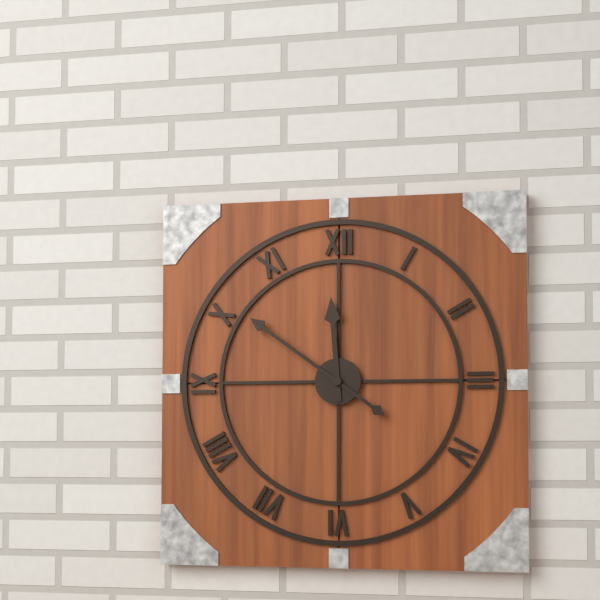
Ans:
11h51
